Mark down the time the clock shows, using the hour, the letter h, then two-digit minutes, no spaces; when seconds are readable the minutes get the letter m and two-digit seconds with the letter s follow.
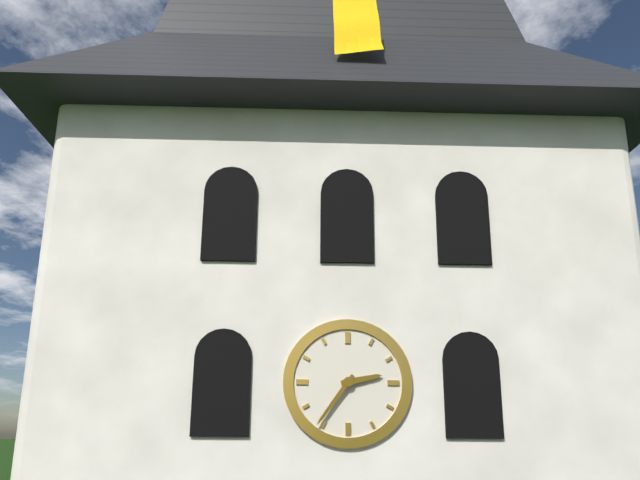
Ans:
2h36
